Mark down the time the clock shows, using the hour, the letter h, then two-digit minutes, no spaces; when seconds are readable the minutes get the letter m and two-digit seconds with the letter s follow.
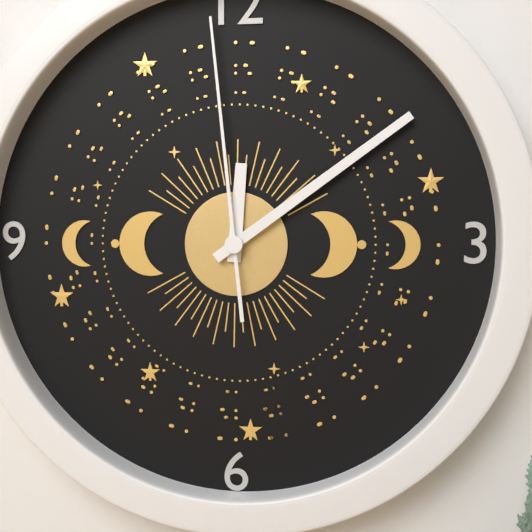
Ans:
12h09m59s
